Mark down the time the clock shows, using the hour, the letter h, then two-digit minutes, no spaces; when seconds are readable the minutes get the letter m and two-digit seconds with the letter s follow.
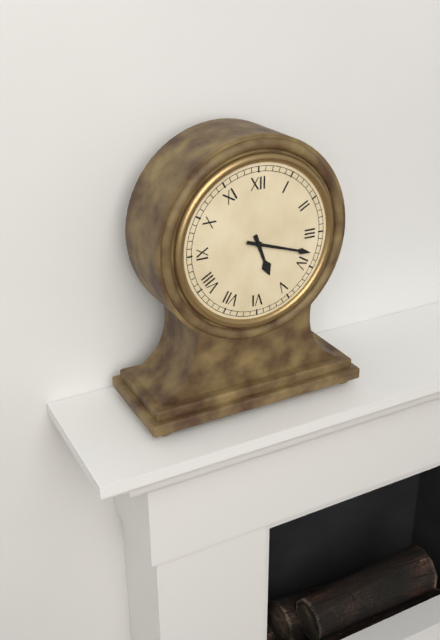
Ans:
5h18
